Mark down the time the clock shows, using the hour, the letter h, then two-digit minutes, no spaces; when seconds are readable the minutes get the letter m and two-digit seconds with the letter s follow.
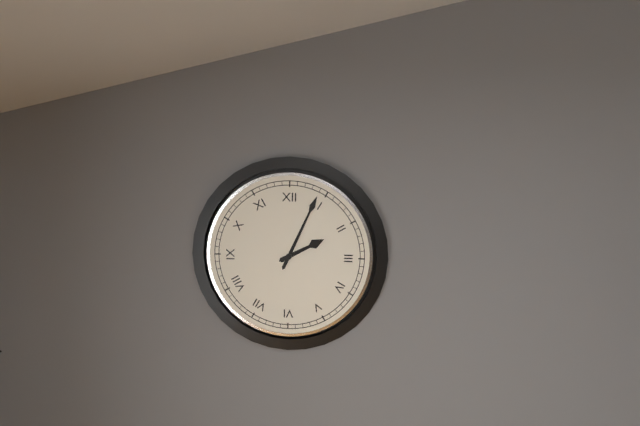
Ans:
2h04
